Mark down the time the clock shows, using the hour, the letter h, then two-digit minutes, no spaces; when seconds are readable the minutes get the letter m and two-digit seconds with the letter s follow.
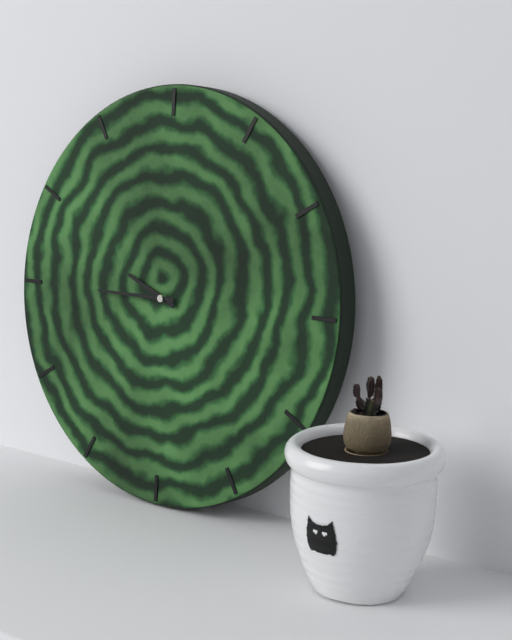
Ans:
9h45
